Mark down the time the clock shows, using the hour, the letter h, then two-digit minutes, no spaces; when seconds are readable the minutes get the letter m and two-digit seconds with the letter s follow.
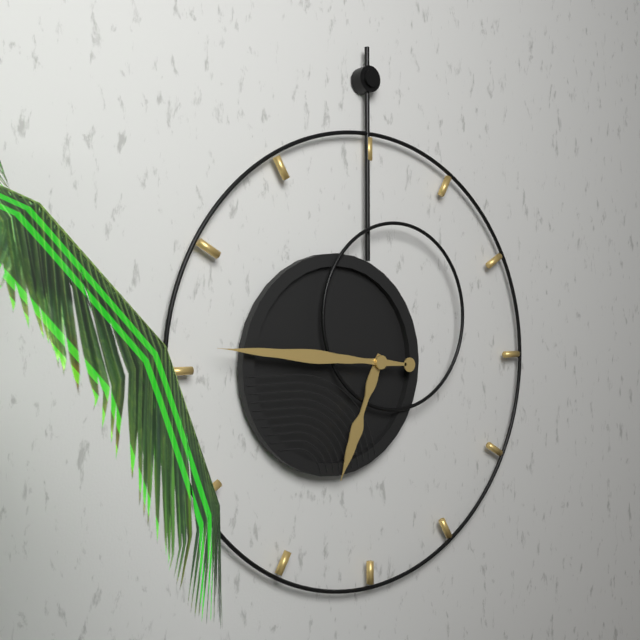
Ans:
6h46
